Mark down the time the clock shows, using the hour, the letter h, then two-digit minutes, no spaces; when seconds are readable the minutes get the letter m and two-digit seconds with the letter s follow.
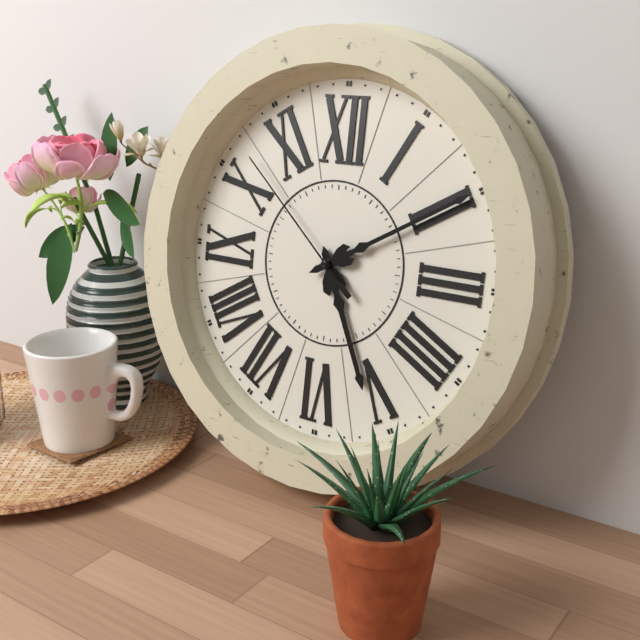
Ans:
5h10m52s
